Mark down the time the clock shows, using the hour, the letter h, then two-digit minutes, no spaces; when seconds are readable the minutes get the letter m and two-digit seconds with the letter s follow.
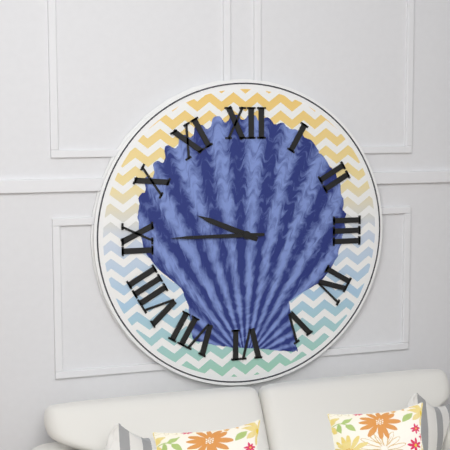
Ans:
9h45
